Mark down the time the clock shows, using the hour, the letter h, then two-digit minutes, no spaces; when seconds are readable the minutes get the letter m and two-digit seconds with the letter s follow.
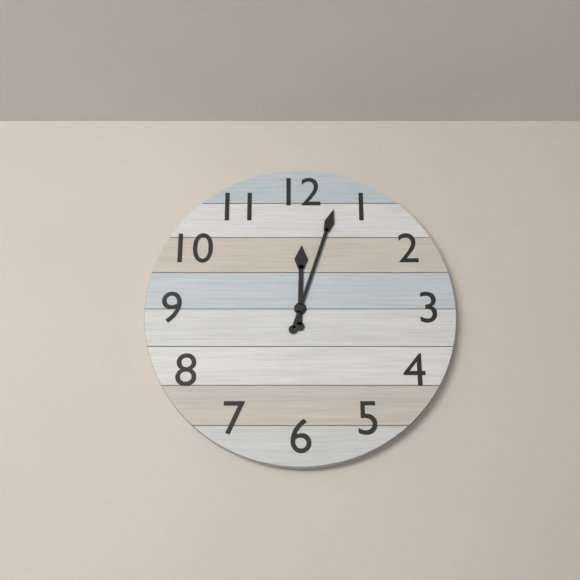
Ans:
12h03
